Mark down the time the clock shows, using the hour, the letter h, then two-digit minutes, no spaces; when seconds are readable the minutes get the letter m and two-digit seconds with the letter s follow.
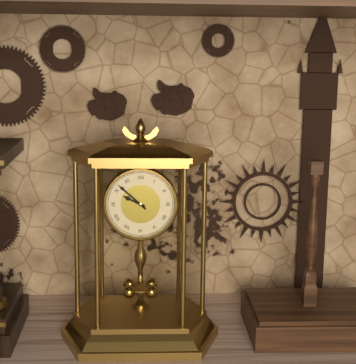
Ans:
9h52
